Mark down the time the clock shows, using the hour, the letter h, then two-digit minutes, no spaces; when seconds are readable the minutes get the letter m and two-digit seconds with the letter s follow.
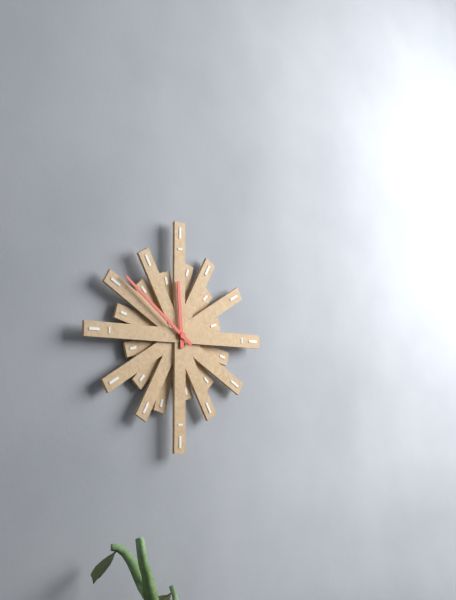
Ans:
11h51
